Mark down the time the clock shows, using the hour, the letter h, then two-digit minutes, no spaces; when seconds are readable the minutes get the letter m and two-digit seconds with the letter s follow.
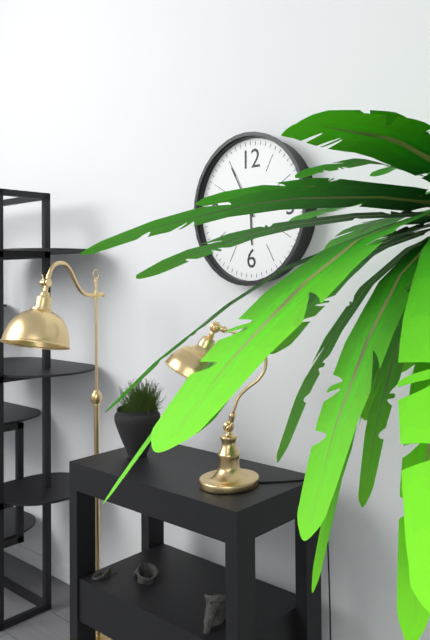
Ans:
5h55
